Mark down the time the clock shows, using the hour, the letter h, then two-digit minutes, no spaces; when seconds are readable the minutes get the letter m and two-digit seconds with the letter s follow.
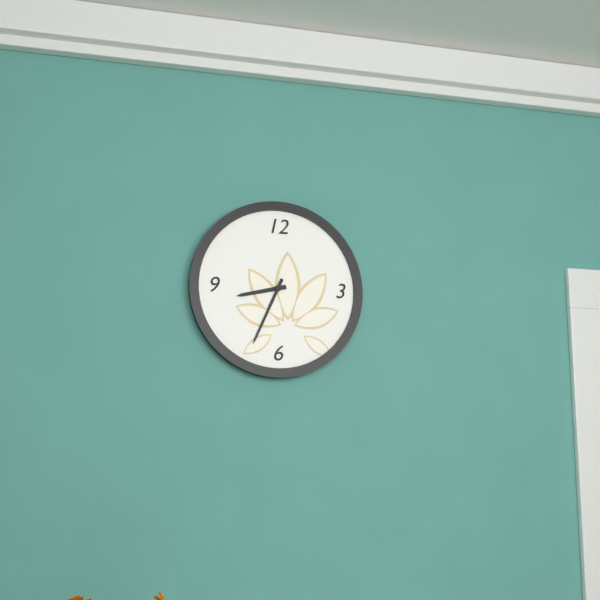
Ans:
8h34
